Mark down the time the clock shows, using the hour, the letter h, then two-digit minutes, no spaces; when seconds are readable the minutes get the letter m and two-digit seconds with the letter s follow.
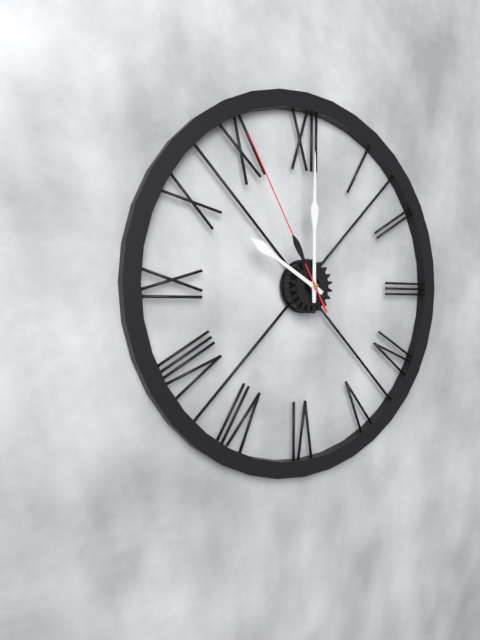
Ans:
10h00m55s
